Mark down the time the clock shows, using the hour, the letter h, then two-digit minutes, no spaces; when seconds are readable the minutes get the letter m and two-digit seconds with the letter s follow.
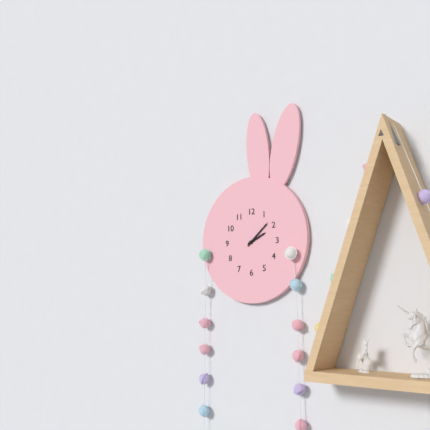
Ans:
2h08
